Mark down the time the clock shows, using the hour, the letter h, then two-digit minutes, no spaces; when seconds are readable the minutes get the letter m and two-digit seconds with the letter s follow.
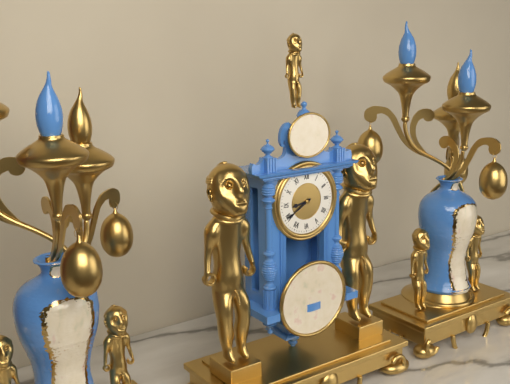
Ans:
8h40
